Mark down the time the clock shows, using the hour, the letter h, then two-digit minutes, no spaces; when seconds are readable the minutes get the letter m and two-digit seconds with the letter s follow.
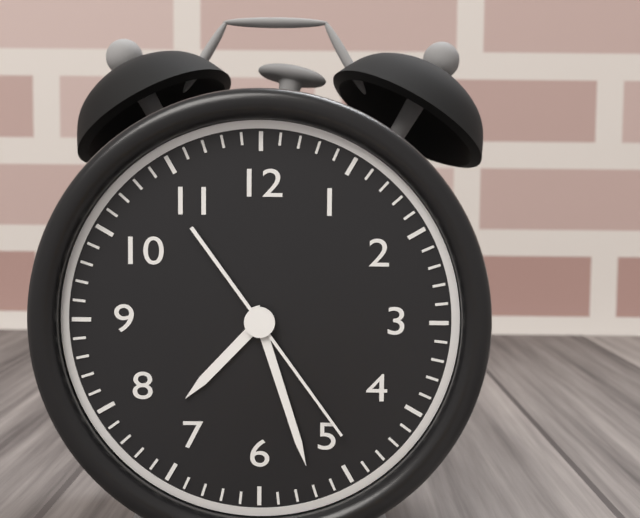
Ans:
7h27m24s
